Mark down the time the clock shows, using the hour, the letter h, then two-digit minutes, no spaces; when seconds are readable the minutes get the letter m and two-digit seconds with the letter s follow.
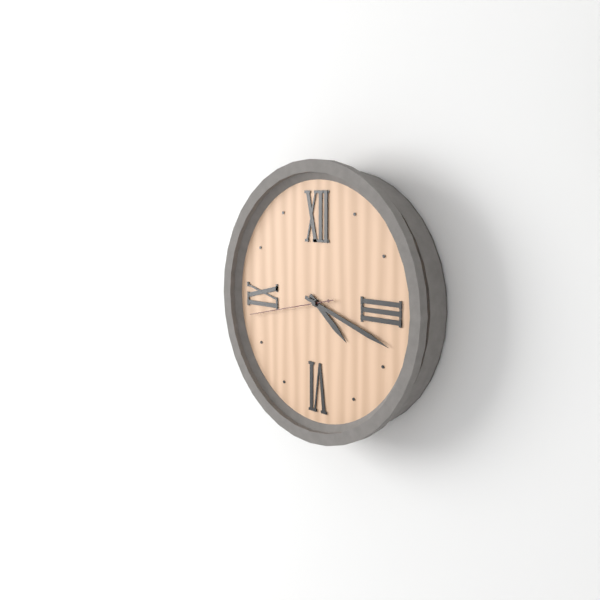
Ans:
4h18m43s
